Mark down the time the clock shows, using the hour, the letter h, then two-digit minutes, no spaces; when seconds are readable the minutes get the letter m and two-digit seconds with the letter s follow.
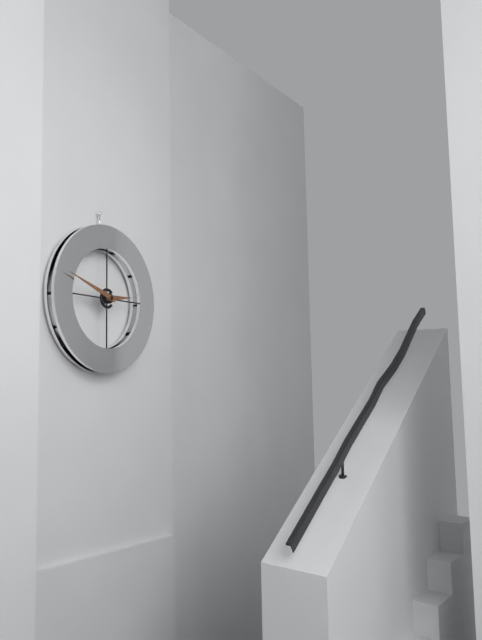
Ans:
2h48
